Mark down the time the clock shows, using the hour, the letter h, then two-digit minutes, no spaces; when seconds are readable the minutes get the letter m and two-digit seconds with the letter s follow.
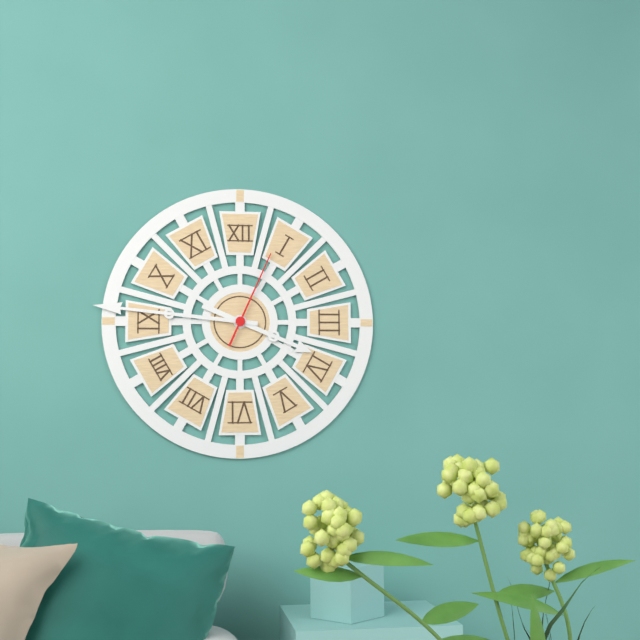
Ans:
3h46m04s
